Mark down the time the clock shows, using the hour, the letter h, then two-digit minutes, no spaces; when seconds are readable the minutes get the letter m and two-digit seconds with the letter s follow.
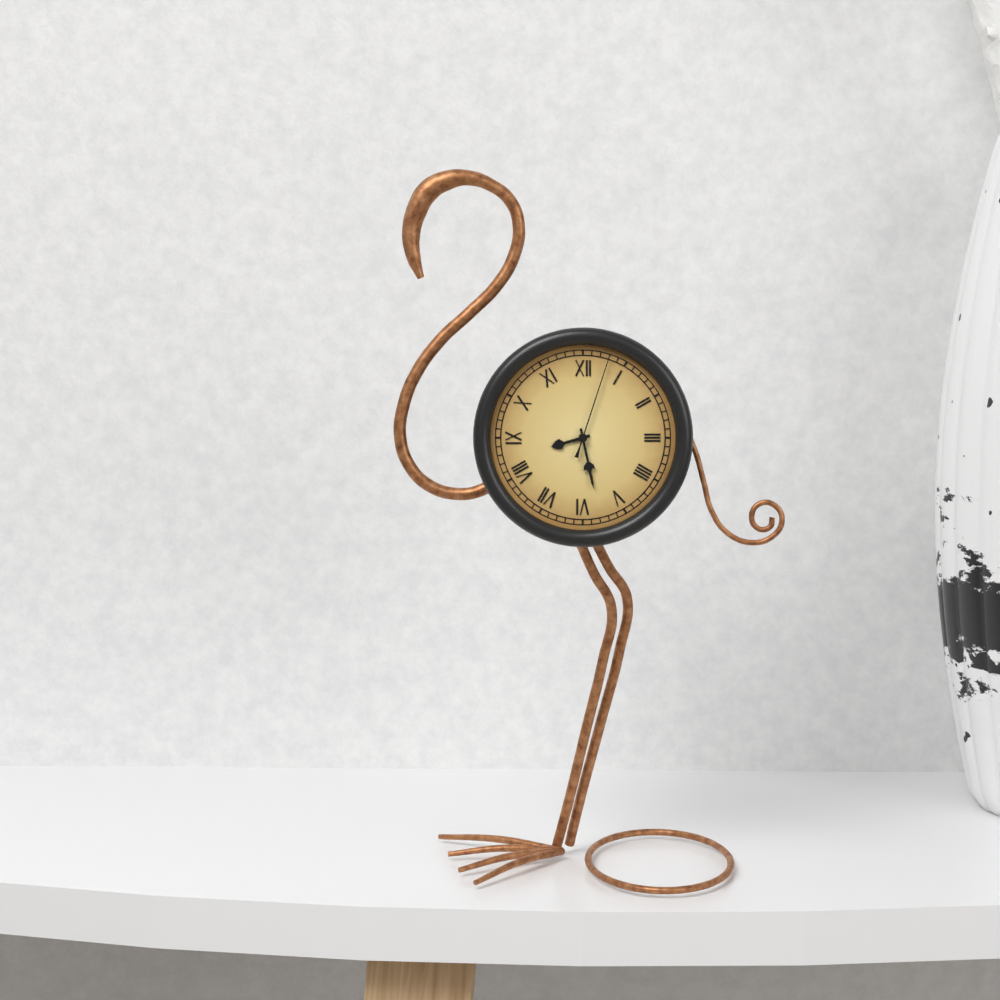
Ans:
8h28m03s
